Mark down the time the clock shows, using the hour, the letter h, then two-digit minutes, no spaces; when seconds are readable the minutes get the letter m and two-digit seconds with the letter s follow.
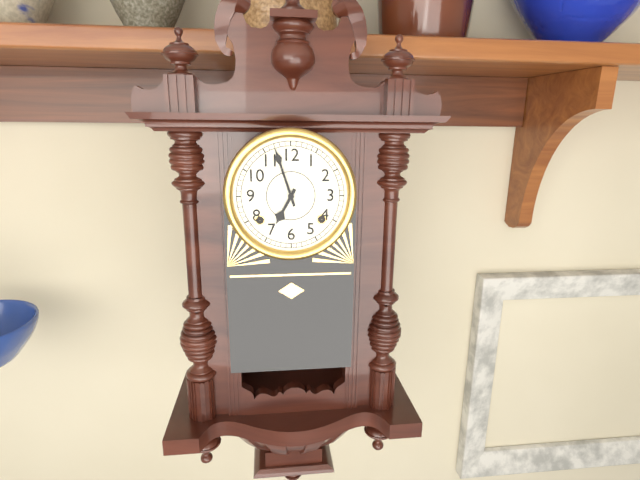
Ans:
6h57
